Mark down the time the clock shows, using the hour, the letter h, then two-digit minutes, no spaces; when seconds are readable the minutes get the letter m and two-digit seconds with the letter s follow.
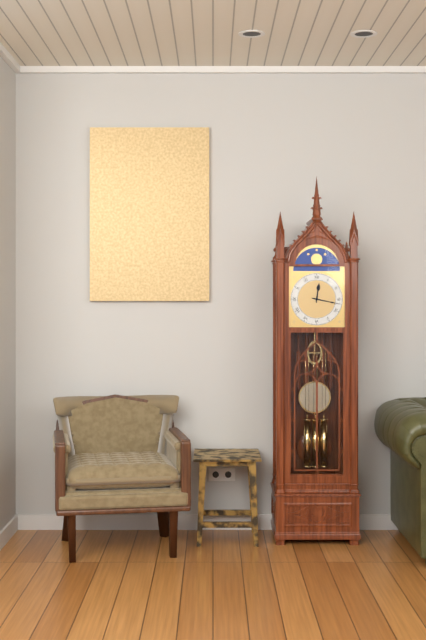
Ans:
12h17
